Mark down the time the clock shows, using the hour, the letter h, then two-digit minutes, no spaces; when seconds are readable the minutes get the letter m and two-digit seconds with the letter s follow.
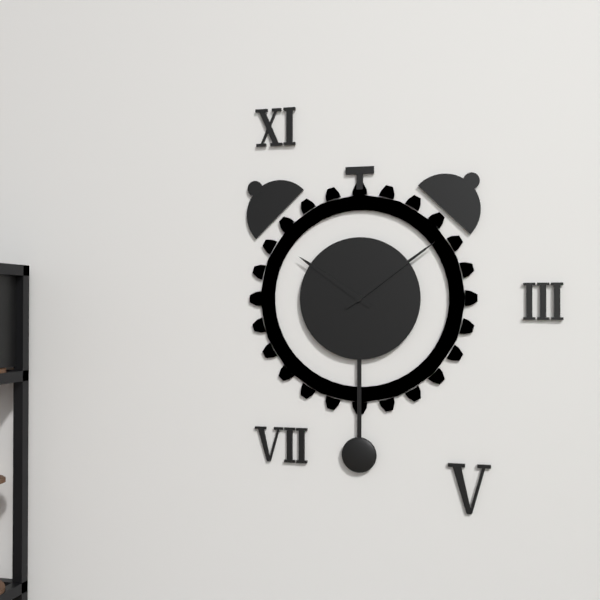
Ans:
10h09
